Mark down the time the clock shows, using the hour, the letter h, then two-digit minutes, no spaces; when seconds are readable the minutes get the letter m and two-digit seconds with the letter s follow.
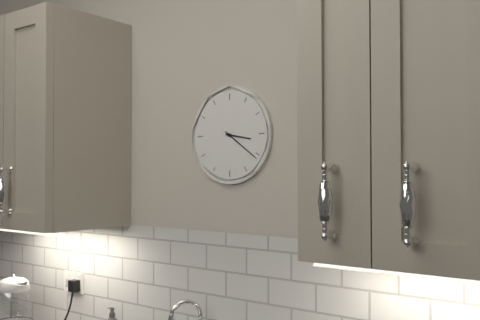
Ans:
3h21
